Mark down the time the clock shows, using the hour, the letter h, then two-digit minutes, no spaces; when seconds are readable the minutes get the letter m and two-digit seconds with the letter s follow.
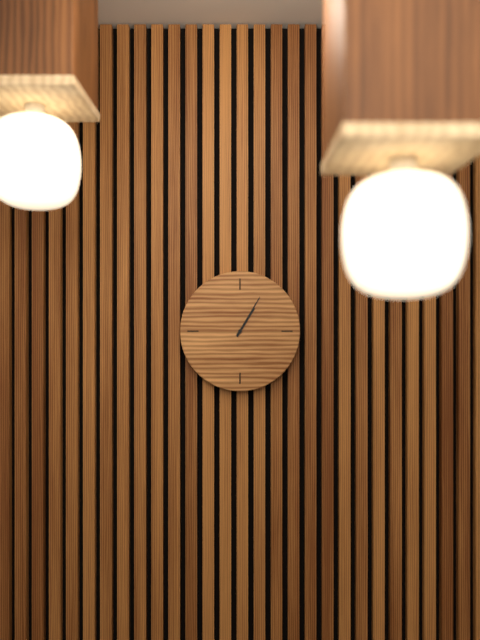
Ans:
1h05
